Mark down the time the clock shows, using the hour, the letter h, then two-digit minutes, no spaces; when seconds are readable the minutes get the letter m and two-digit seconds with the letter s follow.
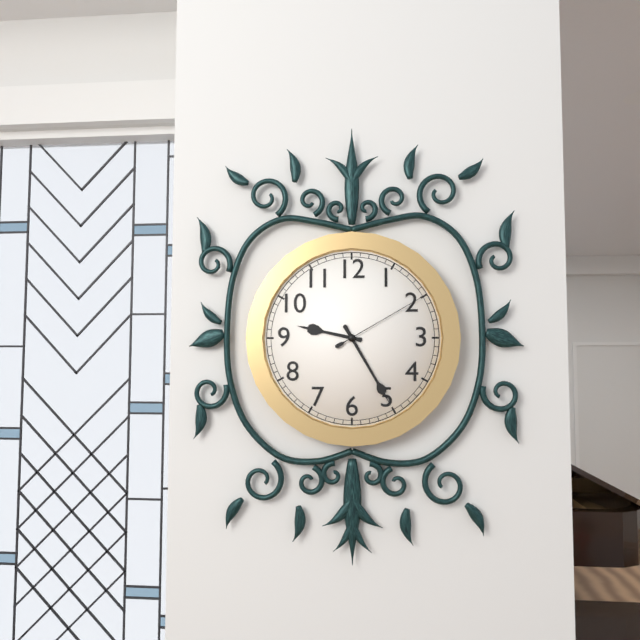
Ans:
9h25m10s
